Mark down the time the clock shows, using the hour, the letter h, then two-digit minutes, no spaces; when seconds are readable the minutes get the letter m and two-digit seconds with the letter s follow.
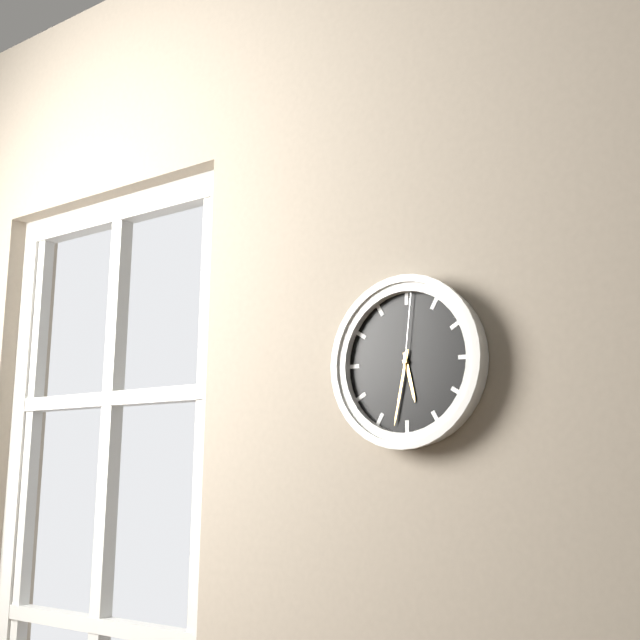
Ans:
5h32m01s
